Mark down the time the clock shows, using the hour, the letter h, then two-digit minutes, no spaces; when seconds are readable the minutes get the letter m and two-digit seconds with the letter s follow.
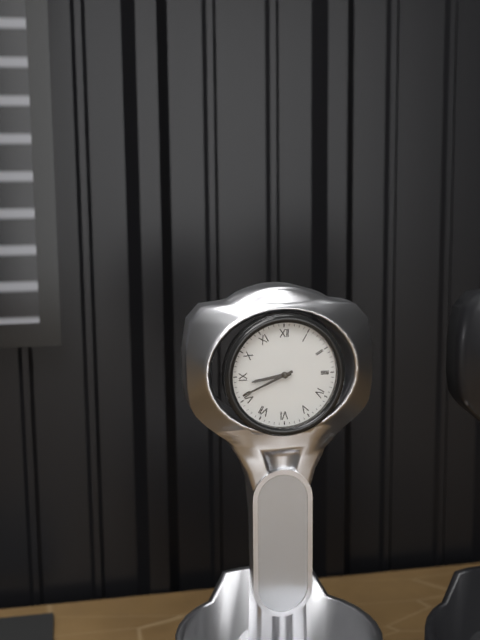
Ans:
8h41
